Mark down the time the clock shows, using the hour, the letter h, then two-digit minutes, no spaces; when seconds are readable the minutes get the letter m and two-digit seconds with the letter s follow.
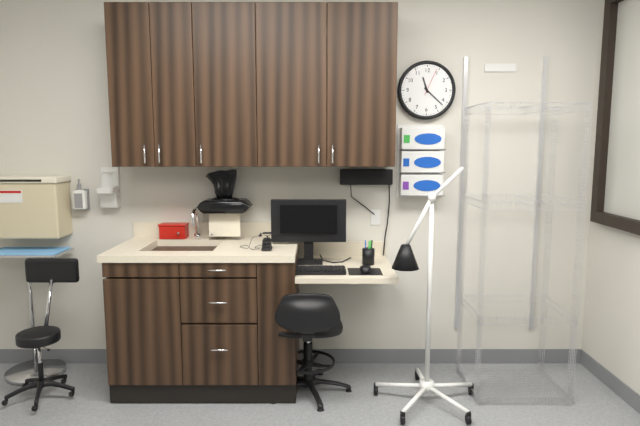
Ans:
11h22
